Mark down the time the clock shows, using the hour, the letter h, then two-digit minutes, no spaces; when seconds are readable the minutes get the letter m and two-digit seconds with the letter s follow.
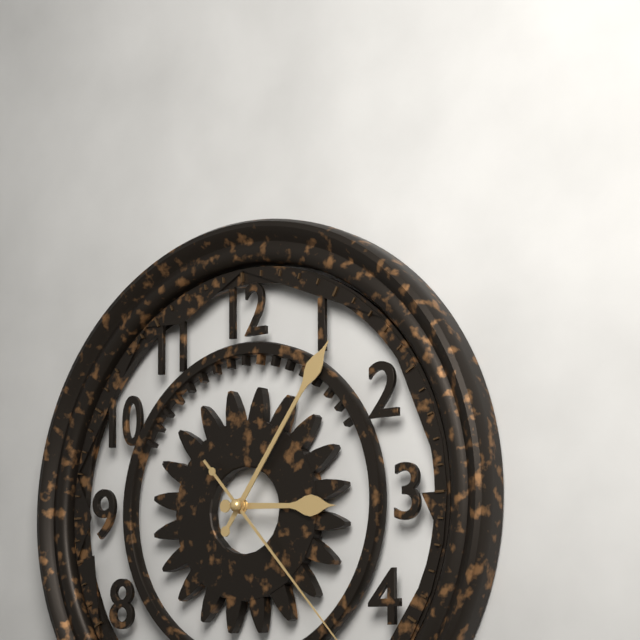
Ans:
3h06
